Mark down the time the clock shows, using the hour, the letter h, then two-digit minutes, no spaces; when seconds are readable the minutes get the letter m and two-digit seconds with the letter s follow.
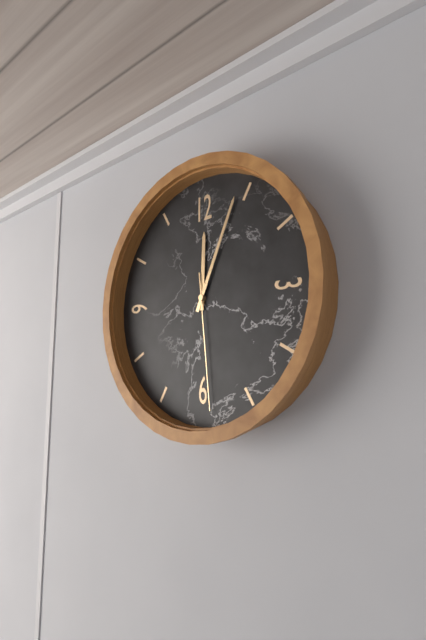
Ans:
12h04m29s
